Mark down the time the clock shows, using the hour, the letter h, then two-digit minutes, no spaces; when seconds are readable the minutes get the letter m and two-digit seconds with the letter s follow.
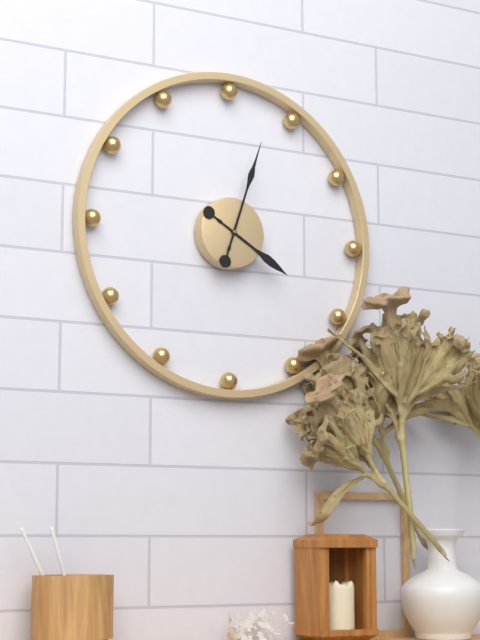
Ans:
4h03
